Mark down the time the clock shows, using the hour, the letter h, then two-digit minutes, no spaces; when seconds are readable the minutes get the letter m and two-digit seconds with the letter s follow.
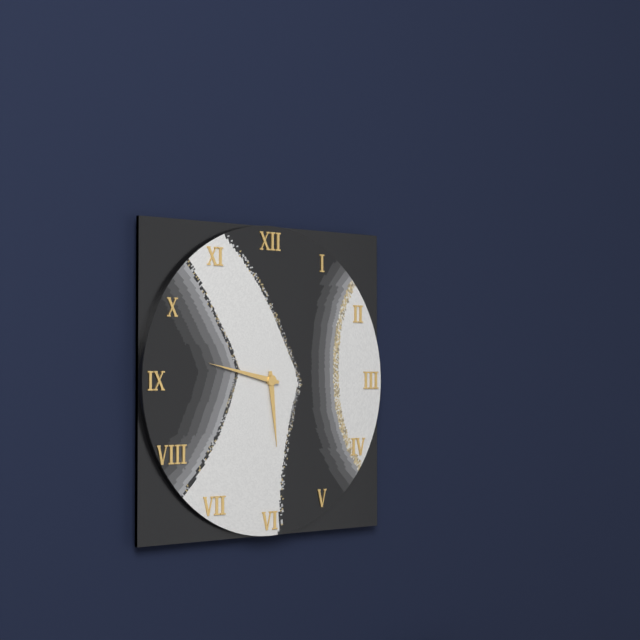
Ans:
5h47
